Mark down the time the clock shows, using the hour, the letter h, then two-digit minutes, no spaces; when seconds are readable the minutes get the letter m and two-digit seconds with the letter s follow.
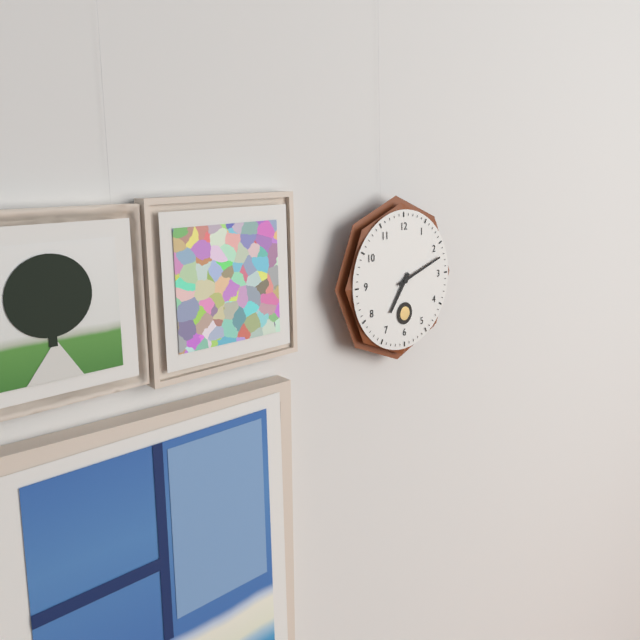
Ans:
7h12
